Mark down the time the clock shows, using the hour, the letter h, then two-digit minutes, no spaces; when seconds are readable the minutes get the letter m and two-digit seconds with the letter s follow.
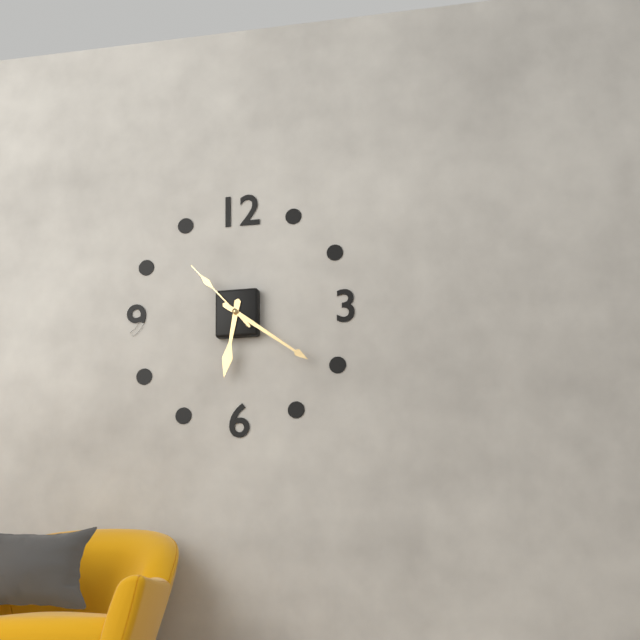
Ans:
6h21m53s
